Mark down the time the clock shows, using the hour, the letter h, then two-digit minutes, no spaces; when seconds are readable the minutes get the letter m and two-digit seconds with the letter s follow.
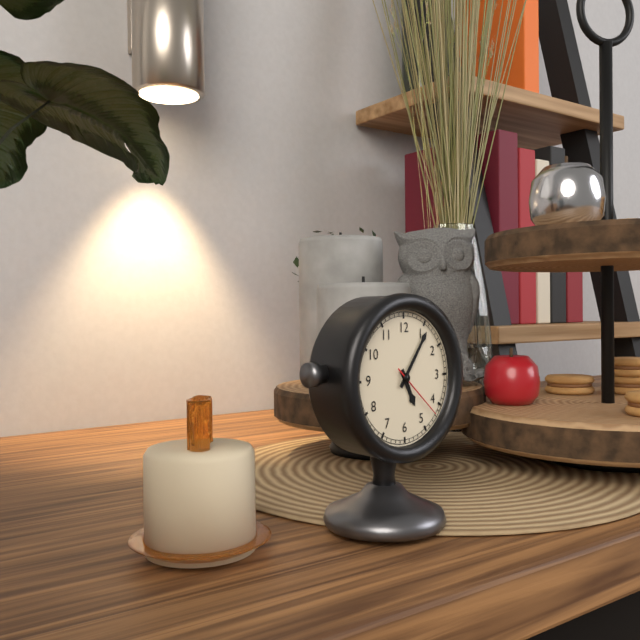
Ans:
5h06m22s
